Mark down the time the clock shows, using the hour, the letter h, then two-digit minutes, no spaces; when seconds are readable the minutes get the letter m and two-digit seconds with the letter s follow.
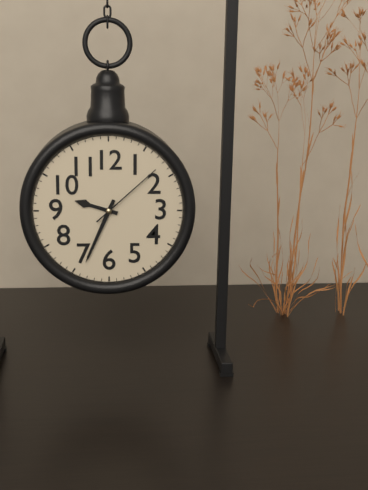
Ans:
9h34m08s
